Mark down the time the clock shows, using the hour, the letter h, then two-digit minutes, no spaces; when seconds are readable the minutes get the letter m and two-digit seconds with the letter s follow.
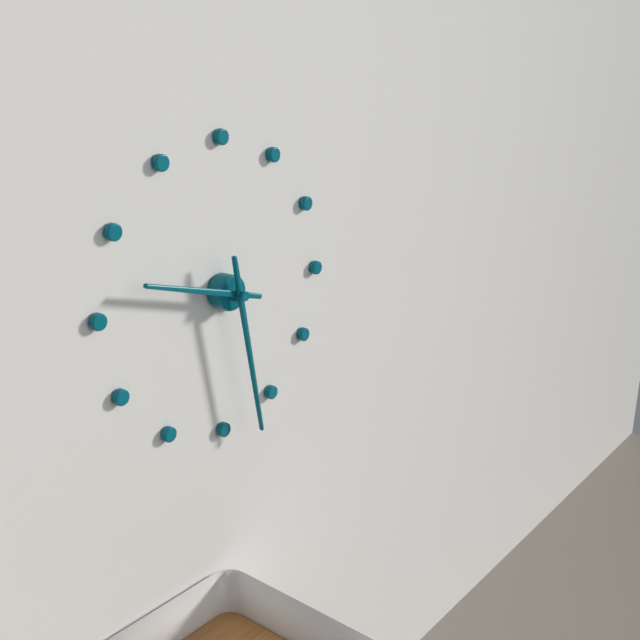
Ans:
9h28
